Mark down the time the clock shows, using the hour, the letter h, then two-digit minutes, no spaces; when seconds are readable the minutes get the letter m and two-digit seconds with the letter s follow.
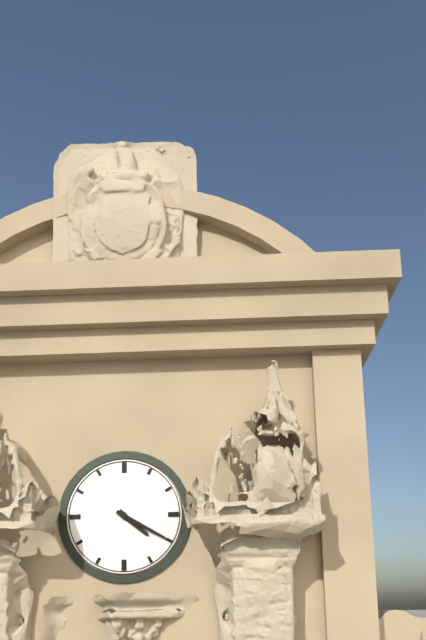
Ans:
4h20
